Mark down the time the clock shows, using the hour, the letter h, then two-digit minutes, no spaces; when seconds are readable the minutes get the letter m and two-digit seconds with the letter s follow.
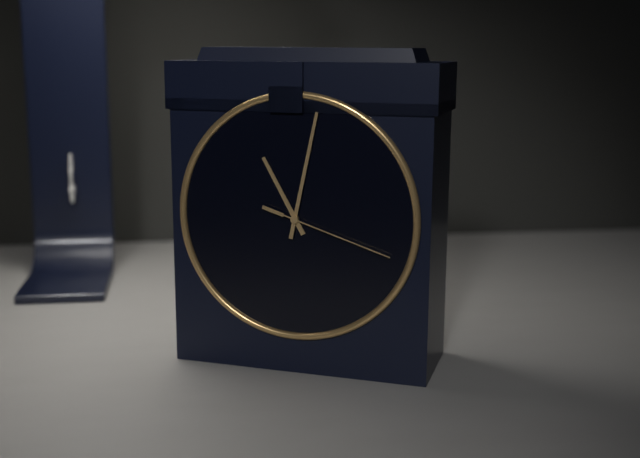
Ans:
11h02m18s
